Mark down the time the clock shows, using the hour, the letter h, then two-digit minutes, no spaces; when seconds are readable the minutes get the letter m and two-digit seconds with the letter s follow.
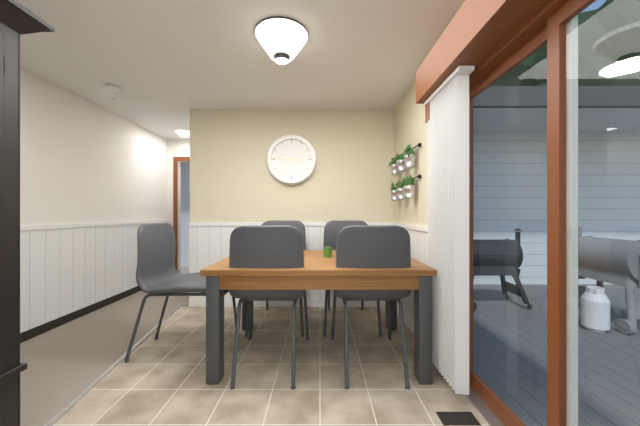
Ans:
3h46
